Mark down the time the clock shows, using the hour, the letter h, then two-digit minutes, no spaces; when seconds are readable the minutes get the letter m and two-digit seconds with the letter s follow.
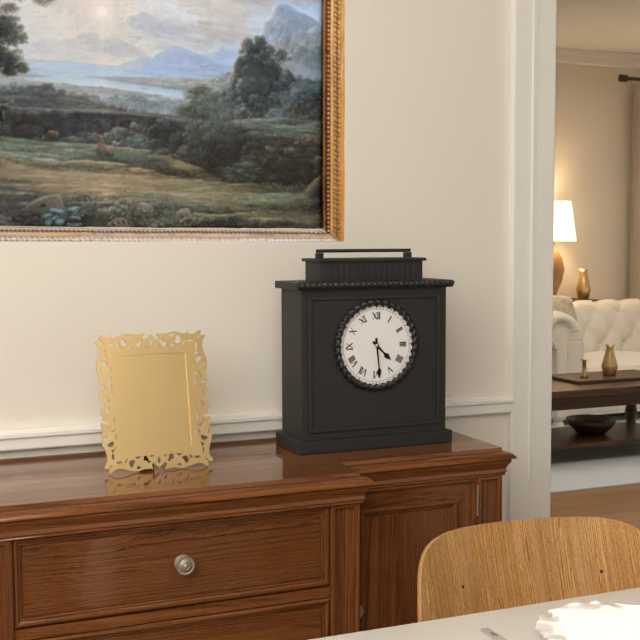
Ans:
4h29
